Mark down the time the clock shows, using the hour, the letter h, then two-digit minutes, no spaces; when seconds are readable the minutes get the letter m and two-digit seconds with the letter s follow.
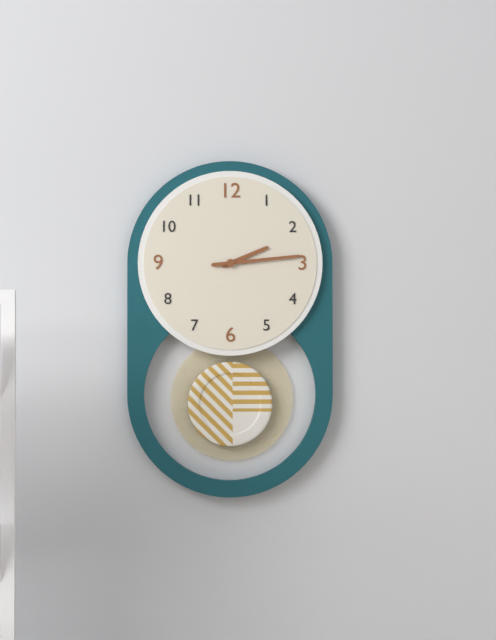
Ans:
2h14
